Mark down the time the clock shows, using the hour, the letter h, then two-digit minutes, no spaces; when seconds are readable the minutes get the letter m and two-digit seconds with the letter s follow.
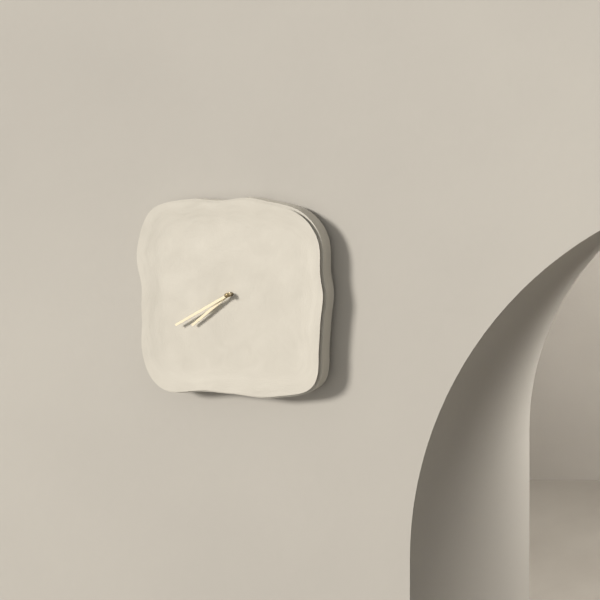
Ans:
7h40
